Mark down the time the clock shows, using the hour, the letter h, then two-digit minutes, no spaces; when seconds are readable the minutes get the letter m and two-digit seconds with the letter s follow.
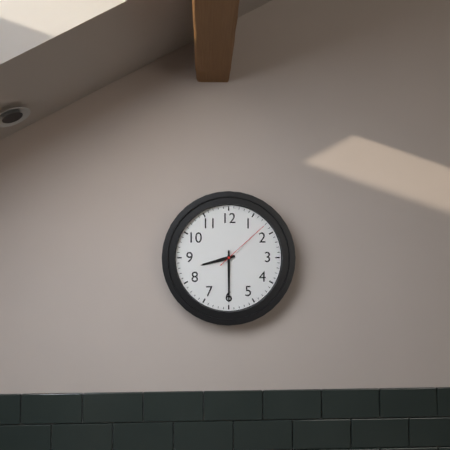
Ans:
8h30m08s
